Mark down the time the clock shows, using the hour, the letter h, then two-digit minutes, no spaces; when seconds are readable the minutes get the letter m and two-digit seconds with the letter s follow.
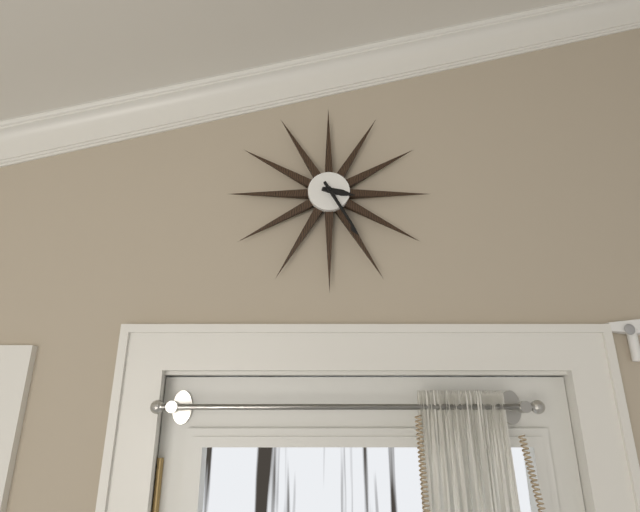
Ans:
3h25
